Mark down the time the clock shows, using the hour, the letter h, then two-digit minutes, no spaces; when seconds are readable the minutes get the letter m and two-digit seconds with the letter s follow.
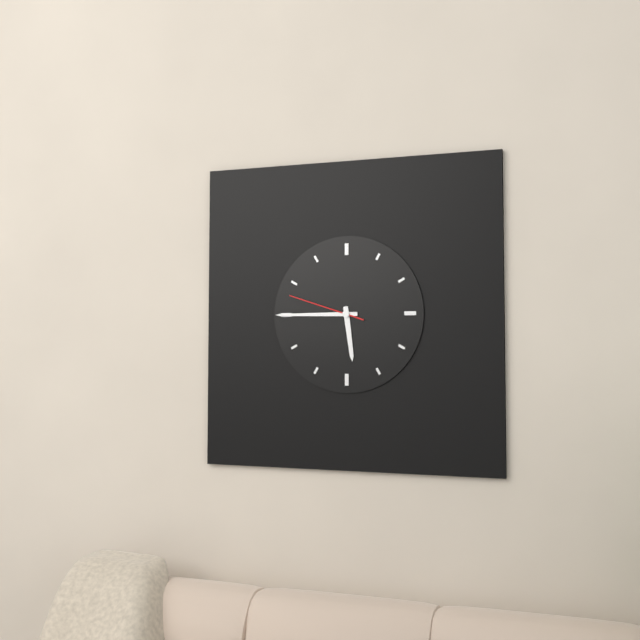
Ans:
5h45m48s
